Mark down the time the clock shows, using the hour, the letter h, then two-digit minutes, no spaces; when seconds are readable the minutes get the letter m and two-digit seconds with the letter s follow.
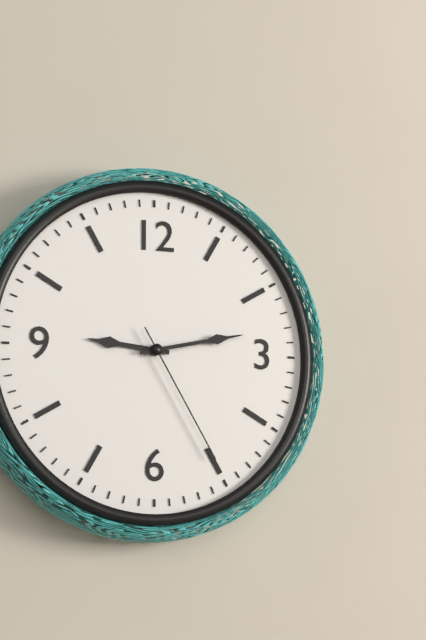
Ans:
9h13m25s
